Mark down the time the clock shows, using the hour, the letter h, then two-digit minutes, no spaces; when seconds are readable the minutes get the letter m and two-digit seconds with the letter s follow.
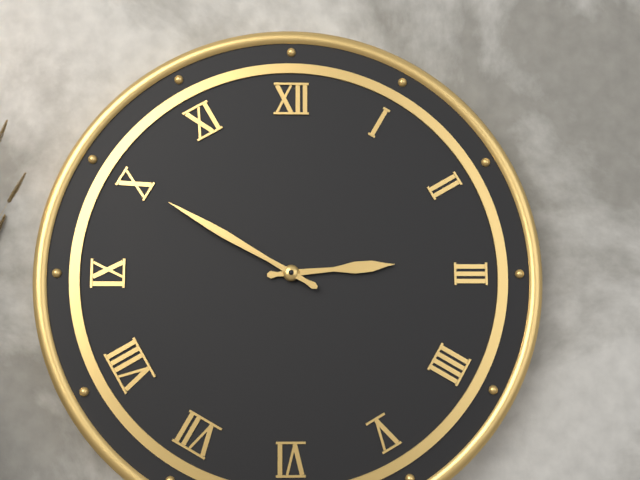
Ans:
2h50
